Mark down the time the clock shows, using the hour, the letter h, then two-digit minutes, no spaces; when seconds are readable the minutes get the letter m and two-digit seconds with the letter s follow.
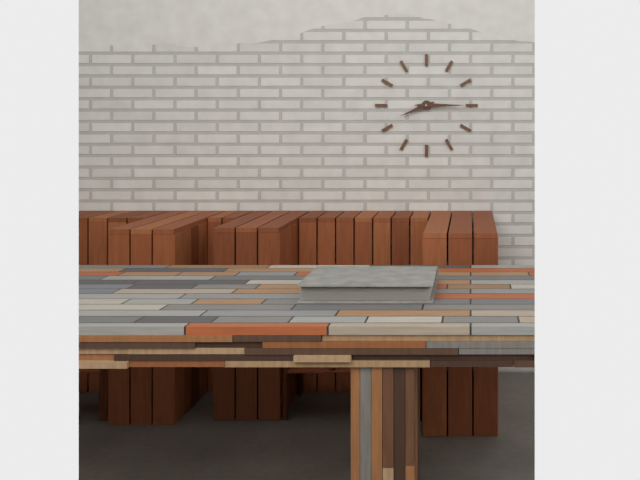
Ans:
8h15
